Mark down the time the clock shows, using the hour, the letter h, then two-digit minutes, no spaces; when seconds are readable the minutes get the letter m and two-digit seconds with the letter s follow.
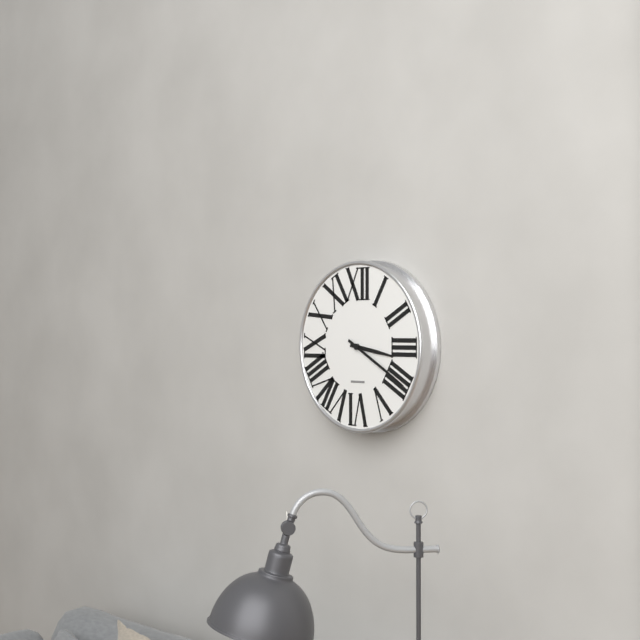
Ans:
3h20
